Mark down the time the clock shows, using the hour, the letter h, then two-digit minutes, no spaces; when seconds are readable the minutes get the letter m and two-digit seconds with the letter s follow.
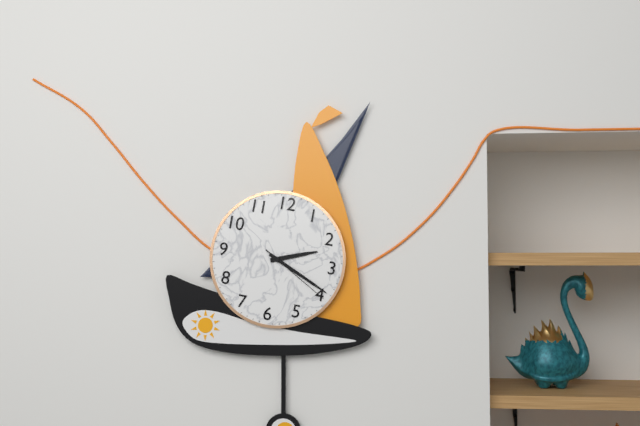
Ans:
2h19m20s
